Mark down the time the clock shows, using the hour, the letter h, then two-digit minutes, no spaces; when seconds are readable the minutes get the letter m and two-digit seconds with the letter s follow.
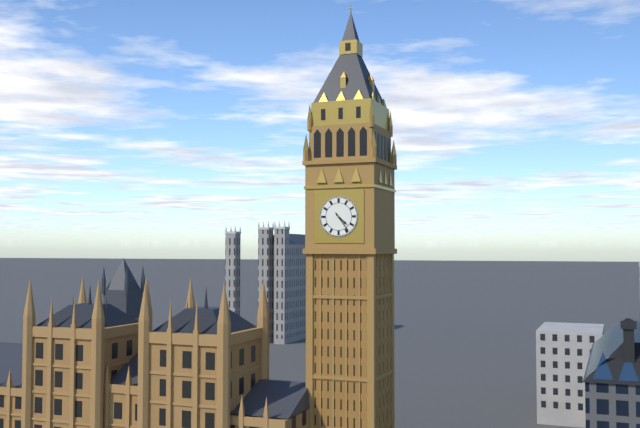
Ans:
4h24
